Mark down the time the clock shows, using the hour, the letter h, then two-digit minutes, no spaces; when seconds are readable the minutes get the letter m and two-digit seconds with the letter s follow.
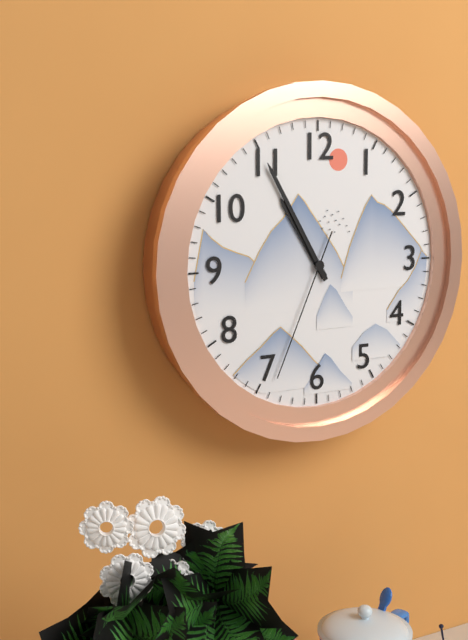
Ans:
10h55m34s
